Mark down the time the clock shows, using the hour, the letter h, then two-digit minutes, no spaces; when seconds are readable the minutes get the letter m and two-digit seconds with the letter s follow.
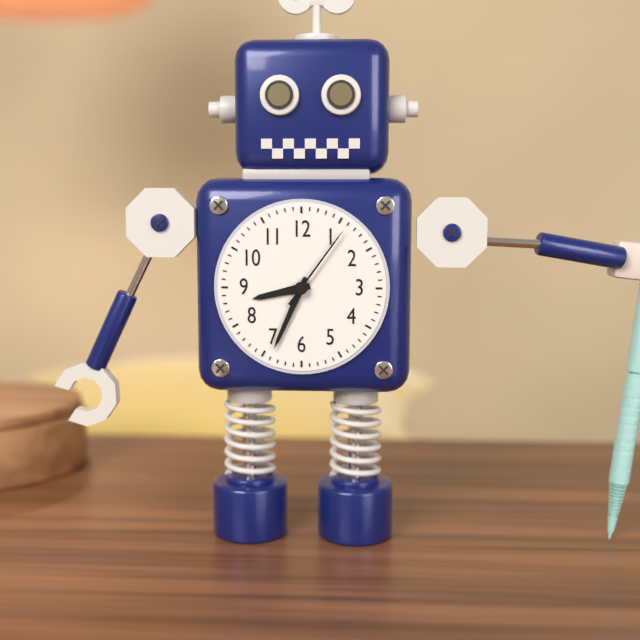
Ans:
8h34m06s
